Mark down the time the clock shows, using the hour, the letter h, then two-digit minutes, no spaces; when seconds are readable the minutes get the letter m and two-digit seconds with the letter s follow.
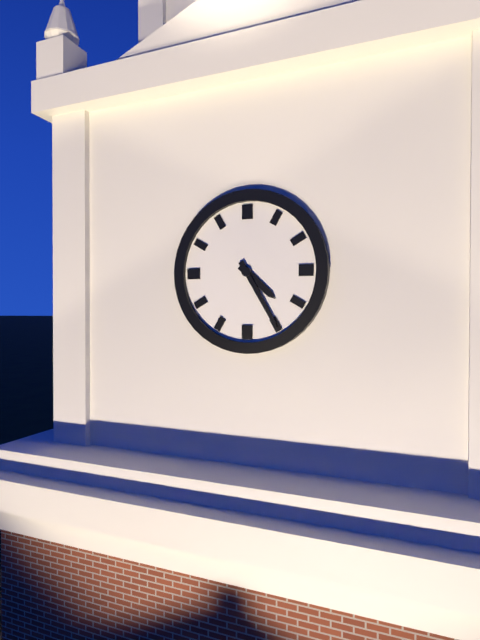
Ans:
4h25
